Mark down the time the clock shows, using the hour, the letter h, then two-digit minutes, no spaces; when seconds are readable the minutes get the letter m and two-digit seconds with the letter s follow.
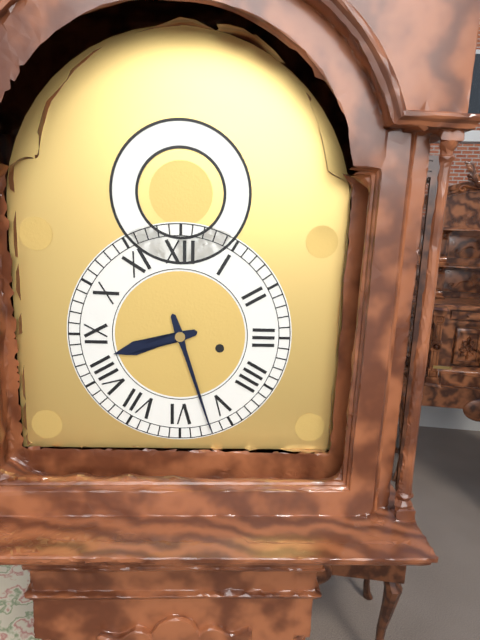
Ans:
8h27
